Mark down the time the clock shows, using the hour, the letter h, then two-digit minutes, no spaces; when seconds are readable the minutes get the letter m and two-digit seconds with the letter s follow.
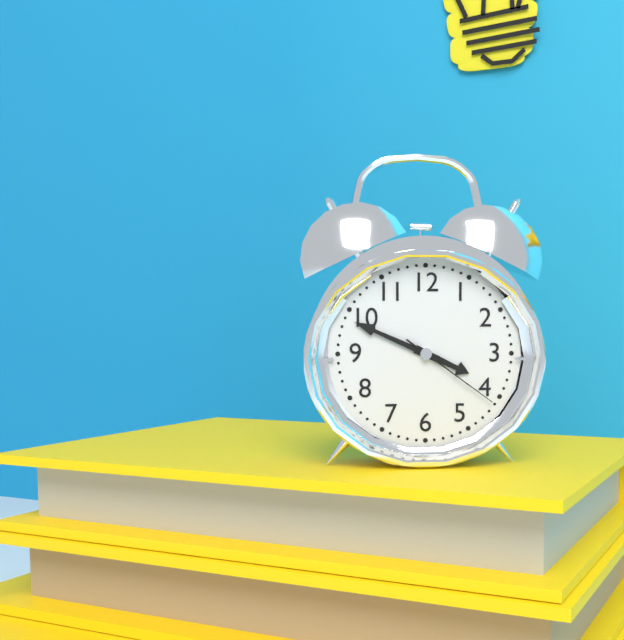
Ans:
3h49m21s
